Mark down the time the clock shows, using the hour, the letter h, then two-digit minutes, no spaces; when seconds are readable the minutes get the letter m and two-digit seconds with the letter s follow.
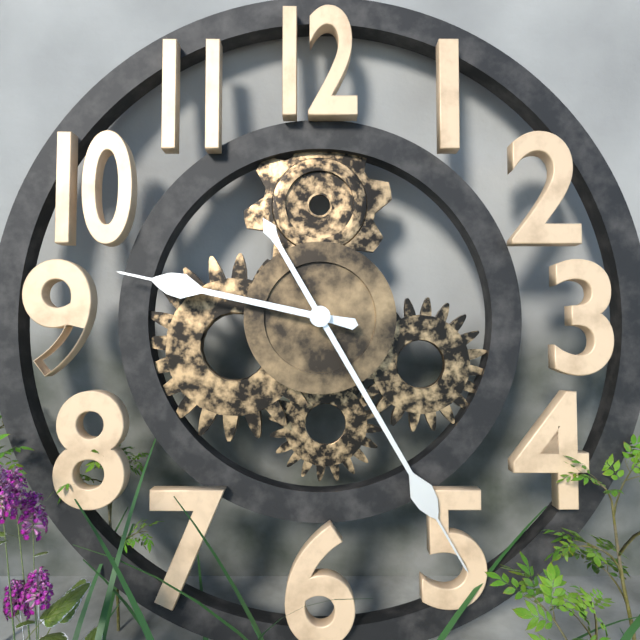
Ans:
9h25
